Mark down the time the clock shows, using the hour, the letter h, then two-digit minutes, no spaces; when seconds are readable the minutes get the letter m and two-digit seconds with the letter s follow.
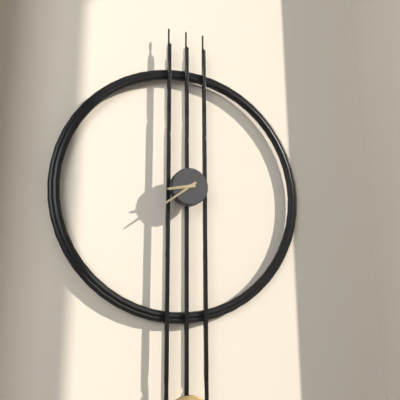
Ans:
8h39
